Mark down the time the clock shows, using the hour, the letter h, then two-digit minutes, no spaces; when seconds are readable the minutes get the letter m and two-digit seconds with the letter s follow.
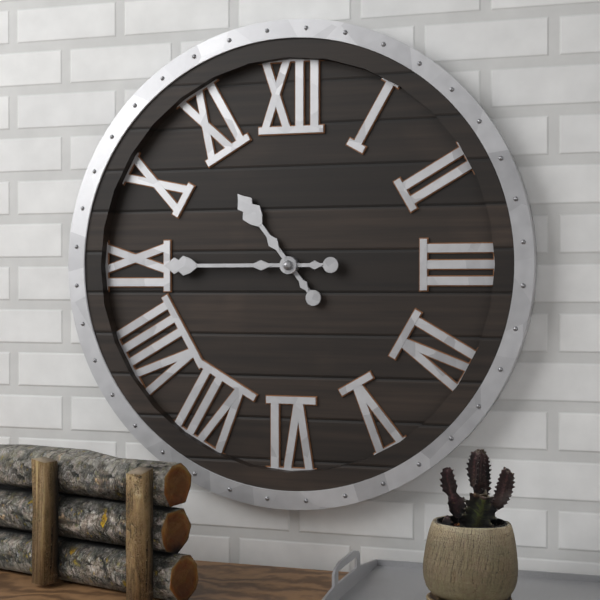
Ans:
10h45
